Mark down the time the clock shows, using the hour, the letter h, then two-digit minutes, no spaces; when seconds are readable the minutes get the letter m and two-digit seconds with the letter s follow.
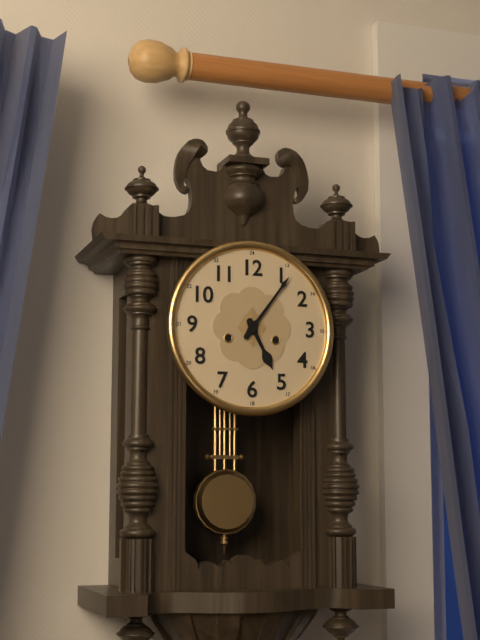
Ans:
5h06
